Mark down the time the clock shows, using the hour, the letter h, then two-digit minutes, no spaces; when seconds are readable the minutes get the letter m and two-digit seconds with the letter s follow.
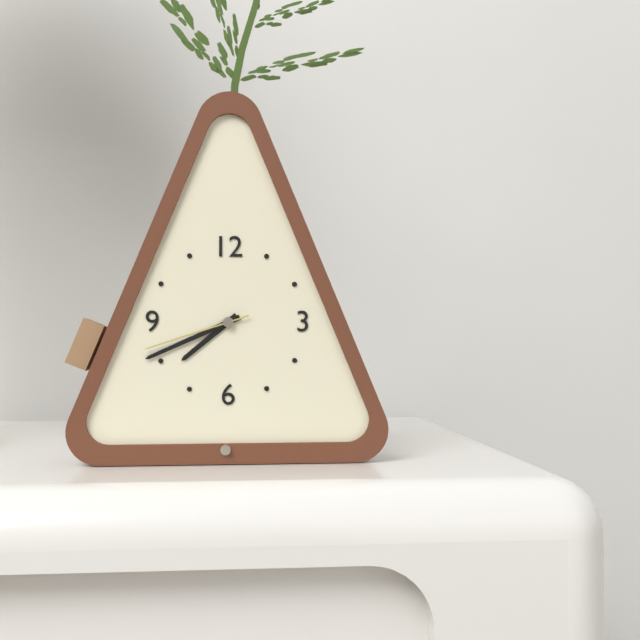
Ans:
7h41m42s
